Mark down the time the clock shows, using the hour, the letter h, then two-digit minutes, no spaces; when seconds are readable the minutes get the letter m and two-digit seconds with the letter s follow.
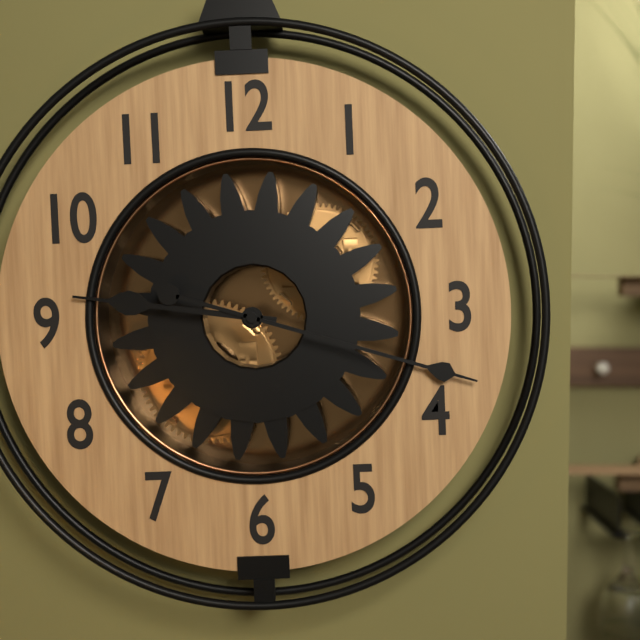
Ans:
9h18
